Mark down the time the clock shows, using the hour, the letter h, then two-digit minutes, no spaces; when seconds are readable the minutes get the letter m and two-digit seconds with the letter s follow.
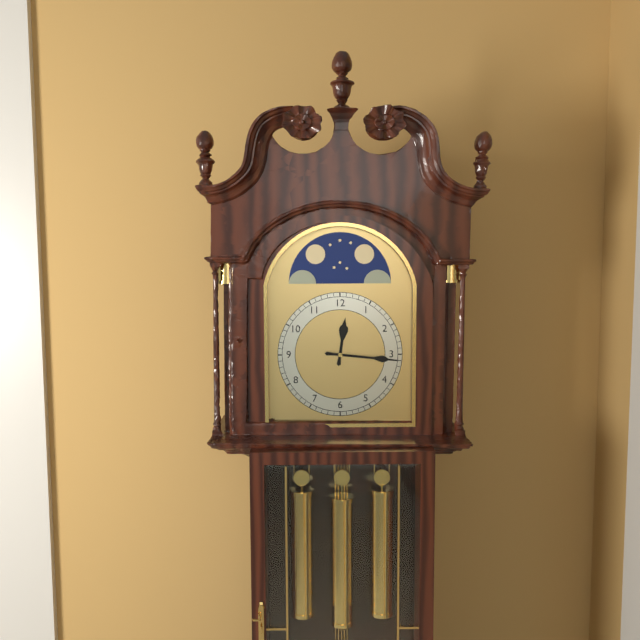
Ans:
12h16
